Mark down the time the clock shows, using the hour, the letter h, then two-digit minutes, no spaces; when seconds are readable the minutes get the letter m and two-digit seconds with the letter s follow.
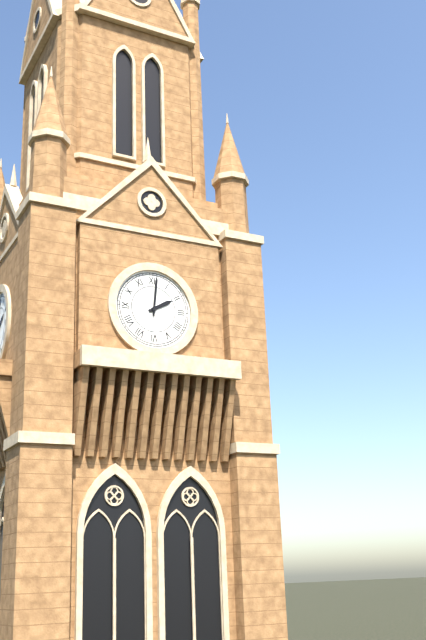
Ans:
2h01
